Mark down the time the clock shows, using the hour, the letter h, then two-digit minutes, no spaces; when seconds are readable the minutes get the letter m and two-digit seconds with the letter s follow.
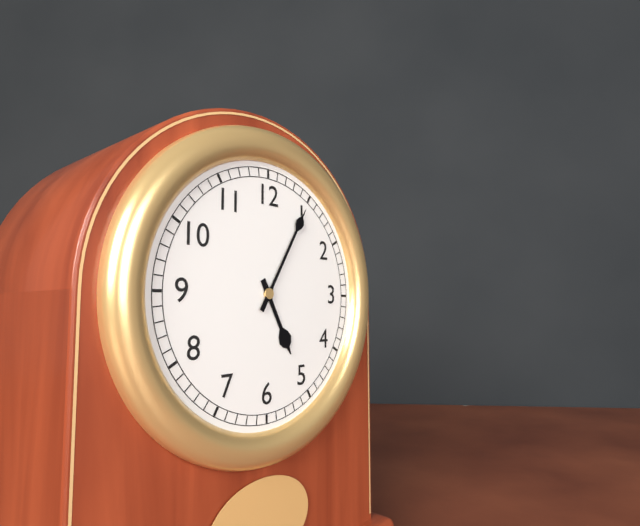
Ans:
5h05
